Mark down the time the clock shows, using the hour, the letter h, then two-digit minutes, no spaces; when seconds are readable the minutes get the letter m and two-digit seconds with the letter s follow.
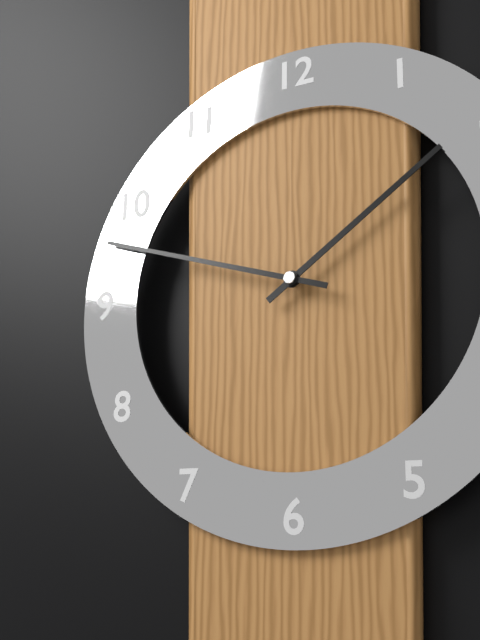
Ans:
1h48
